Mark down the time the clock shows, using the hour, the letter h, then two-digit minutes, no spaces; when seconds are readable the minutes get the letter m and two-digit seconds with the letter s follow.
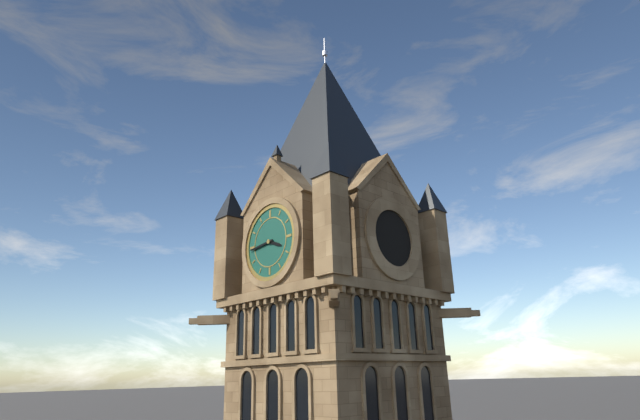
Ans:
3h44
